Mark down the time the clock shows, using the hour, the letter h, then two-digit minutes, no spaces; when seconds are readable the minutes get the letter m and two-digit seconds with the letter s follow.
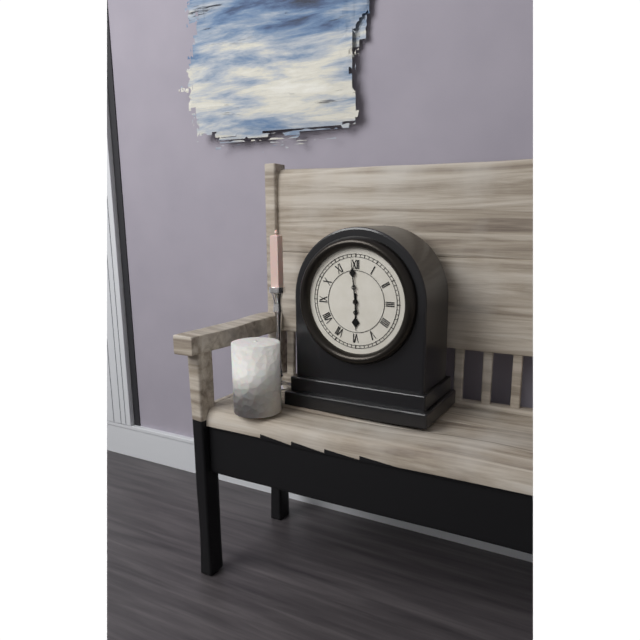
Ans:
5h59
